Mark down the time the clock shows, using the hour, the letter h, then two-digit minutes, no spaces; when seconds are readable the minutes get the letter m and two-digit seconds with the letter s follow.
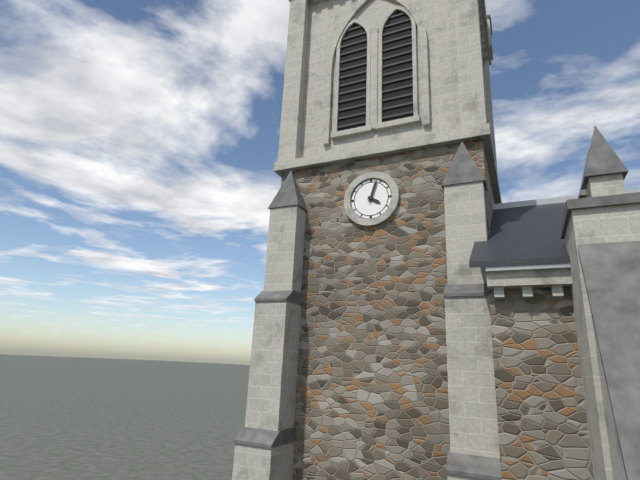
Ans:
4h03
